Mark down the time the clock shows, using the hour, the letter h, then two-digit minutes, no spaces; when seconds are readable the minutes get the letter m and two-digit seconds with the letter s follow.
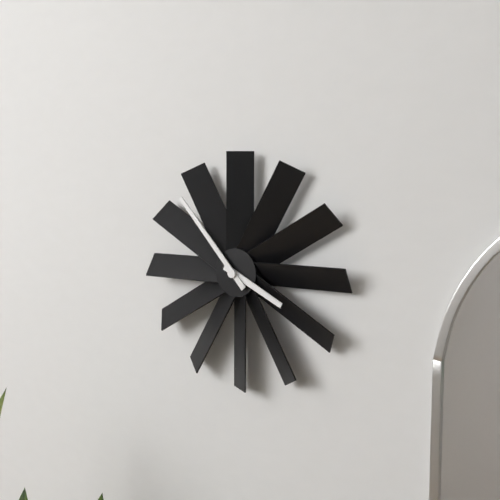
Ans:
3h53
